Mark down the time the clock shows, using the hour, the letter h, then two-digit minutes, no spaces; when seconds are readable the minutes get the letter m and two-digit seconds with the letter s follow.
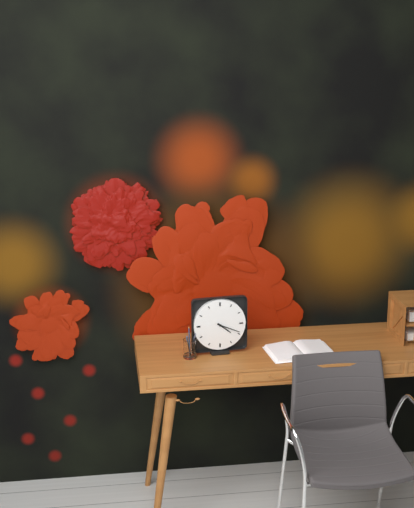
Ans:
4h19
